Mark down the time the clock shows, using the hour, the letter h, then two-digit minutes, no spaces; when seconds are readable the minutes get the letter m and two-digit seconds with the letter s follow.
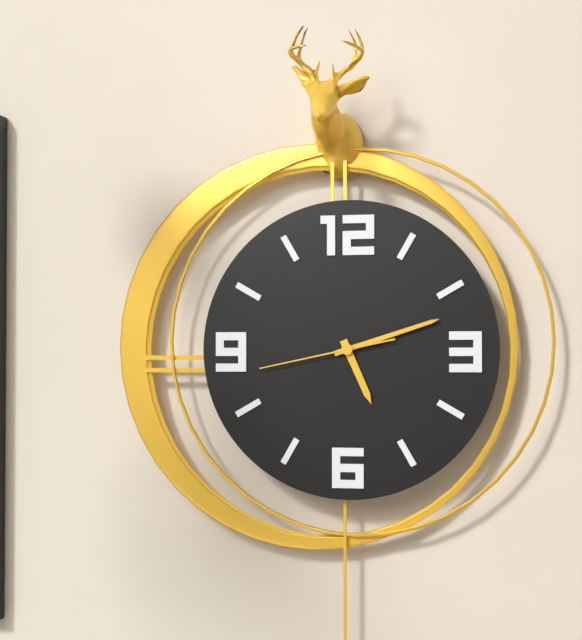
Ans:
5h12m43s
